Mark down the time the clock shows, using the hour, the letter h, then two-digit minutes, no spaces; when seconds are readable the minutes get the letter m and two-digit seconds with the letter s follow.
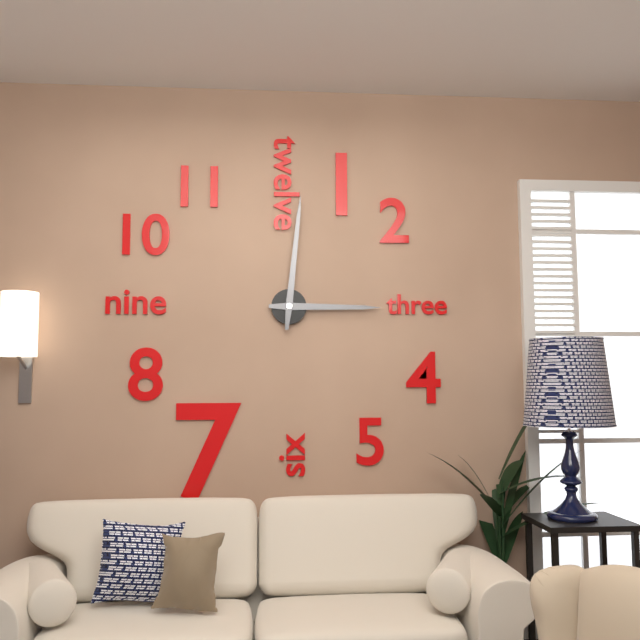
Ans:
3h01
